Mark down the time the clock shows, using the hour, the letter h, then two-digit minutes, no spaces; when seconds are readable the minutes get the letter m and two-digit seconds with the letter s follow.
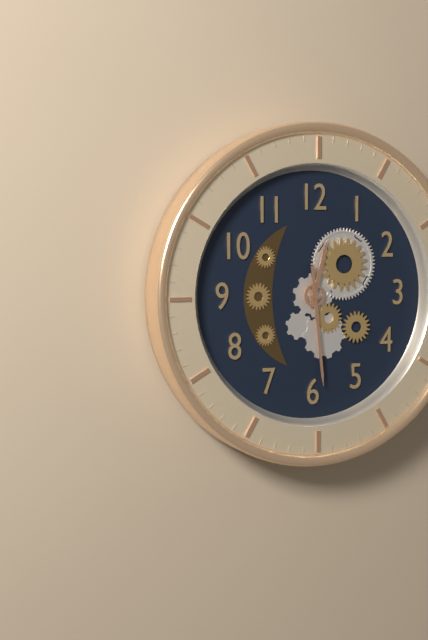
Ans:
12h29
